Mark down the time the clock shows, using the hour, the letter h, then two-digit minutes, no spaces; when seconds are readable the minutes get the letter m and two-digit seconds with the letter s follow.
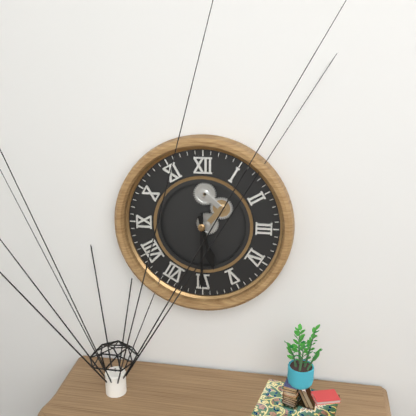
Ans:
5h30
